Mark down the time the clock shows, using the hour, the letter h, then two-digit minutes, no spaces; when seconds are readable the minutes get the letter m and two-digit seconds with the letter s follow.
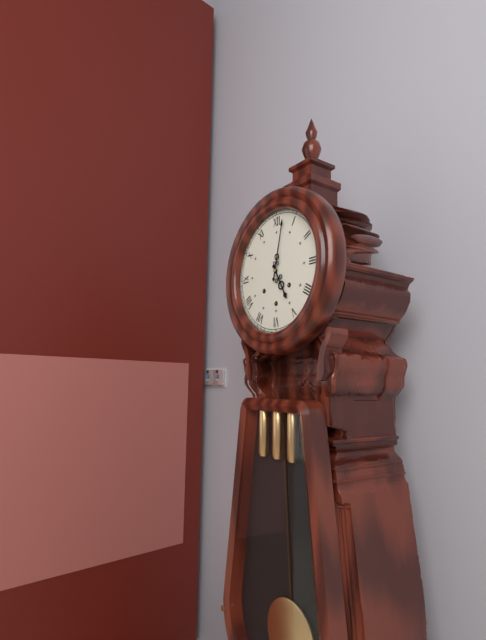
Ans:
5h02
